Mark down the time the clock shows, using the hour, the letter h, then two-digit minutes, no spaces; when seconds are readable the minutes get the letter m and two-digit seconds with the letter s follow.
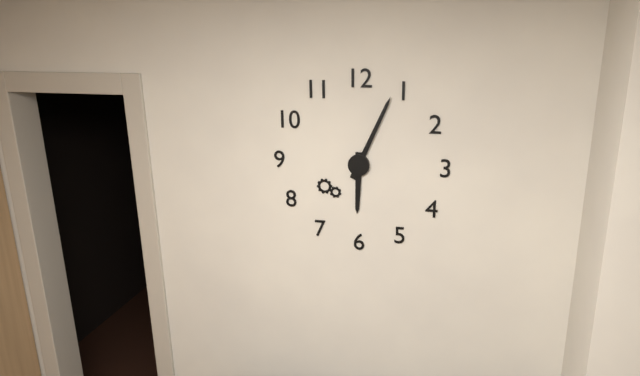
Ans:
6h04
